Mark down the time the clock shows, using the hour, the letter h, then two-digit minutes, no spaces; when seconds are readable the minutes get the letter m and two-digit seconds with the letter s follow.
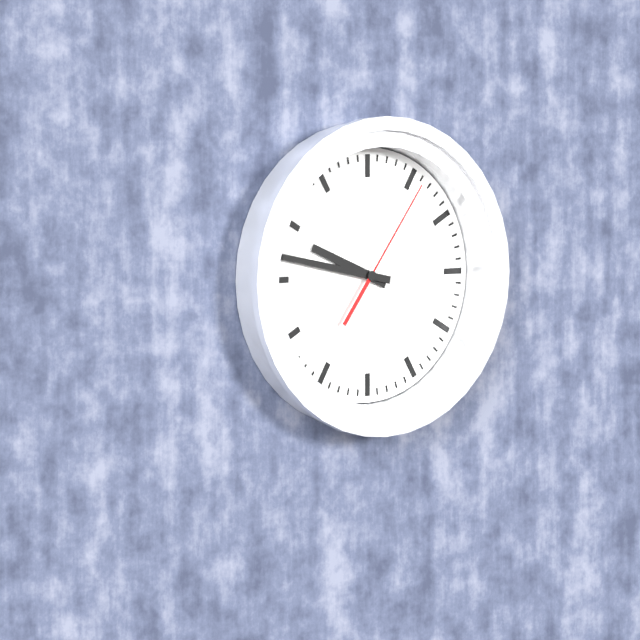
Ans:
9h47m06s
